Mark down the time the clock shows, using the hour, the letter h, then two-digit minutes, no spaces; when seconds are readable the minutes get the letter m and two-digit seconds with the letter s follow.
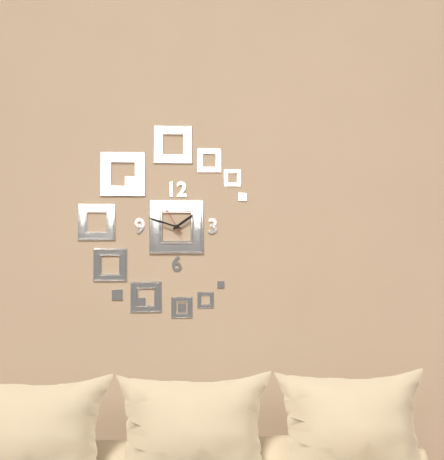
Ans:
1h48
